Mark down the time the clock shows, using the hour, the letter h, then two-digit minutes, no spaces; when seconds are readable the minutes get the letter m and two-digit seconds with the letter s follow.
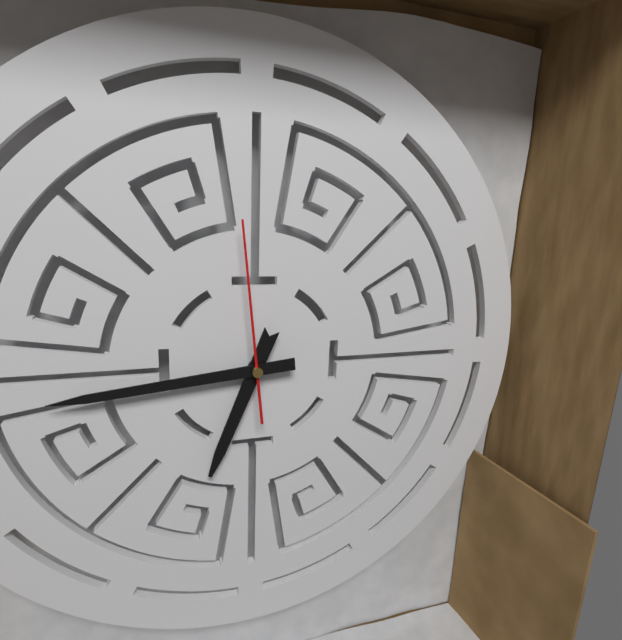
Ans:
6h44m59s
